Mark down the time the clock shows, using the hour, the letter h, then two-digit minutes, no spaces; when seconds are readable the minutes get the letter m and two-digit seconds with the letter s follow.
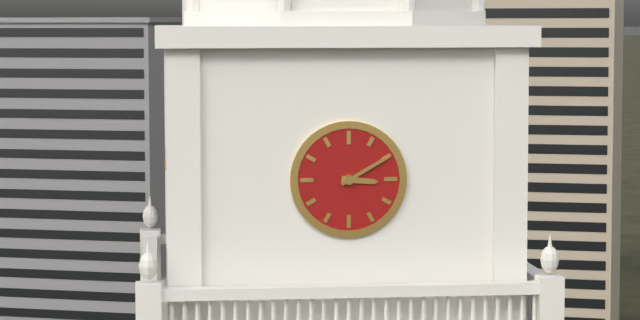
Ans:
3h10
